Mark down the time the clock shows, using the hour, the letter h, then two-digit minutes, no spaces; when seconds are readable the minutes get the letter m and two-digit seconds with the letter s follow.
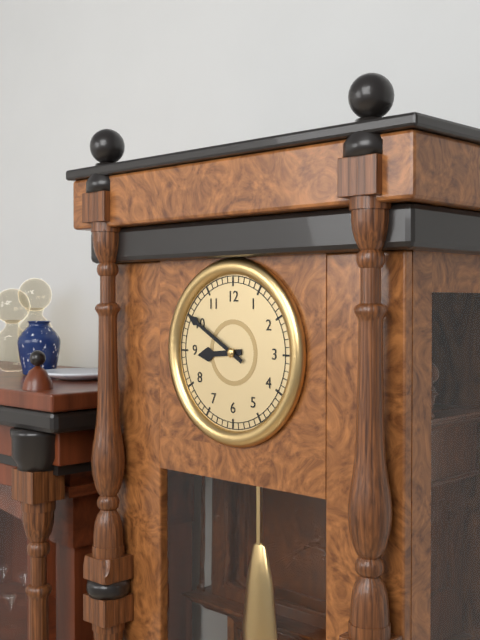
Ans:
8h50
